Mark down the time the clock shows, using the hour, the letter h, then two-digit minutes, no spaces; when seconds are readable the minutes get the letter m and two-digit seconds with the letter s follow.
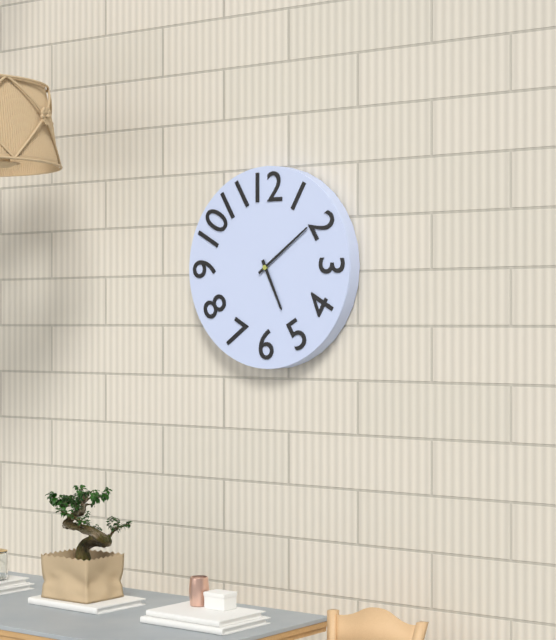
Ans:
5h09
